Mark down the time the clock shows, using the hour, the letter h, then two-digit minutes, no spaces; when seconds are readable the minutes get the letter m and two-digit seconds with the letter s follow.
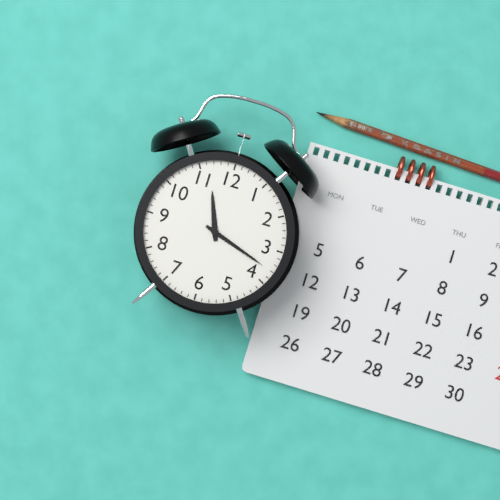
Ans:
11h18
